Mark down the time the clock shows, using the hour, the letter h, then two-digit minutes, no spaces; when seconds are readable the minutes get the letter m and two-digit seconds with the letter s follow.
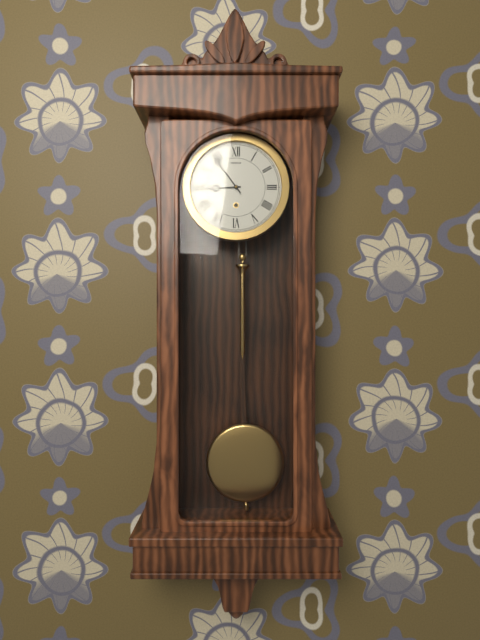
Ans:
8h54
